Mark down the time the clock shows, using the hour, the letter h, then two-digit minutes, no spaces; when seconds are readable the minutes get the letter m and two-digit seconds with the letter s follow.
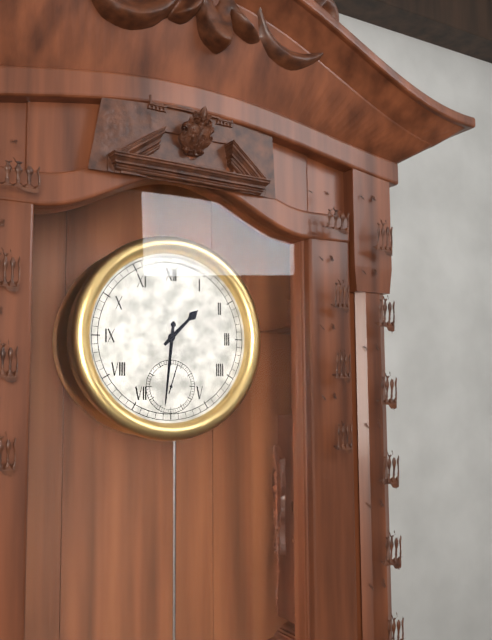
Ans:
1h31
